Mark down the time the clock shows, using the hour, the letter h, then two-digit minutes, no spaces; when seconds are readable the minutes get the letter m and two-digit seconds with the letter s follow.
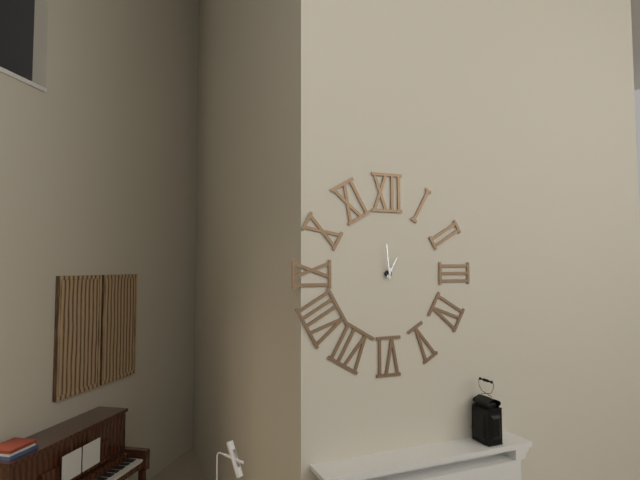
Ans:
12h59
